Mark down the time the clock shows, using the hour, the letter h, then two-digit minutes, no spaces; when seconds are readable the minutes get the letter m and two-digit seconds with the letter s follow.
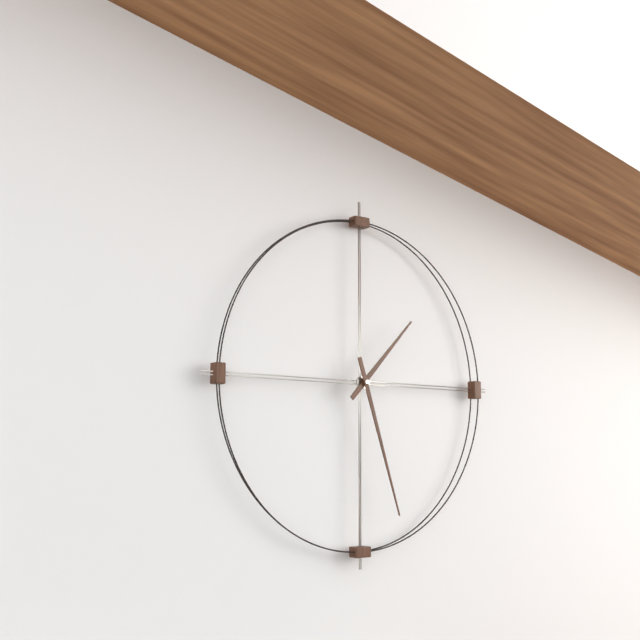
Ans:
1h27
